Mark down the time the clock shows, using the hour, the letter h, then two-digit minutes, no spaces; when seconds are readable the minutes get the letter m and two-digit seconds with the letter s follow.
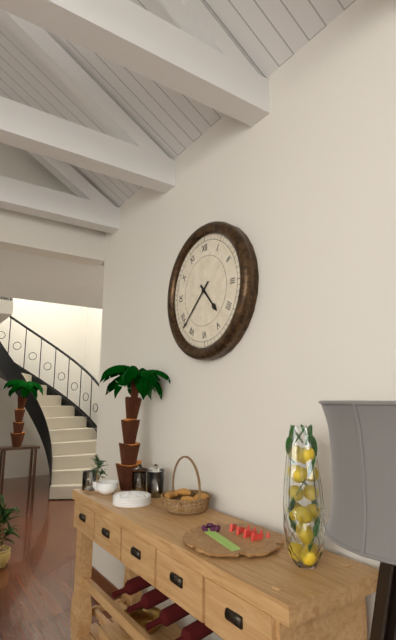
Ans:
4h38
